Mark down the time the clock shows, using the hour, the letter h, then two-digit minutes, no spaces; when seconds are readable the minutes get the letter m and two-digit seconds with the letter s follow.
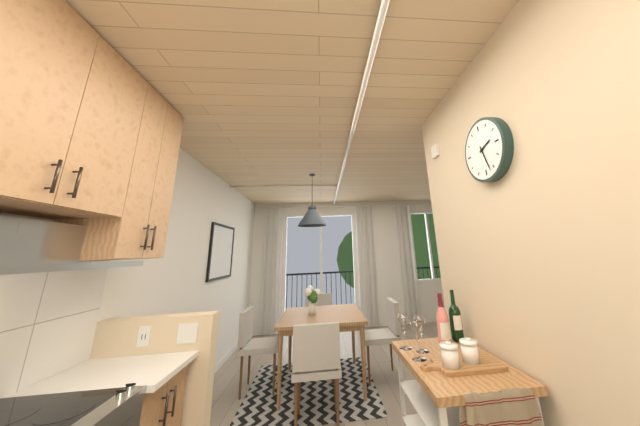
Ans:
2h27
